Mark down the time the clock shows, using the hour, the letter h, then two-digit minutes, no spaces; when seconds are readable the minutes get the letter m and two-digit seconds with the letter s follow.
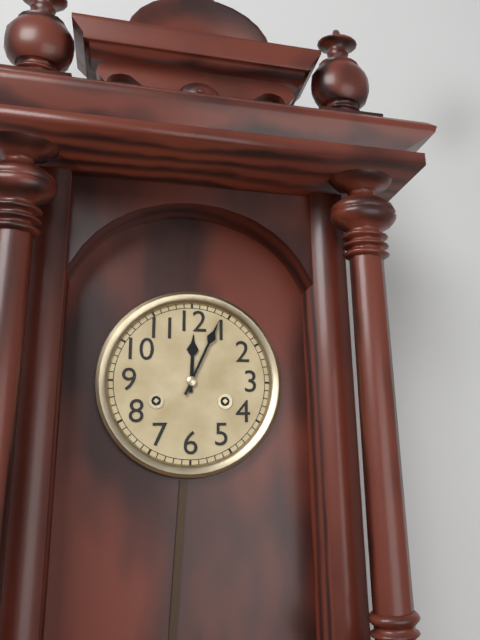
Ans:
12h04
